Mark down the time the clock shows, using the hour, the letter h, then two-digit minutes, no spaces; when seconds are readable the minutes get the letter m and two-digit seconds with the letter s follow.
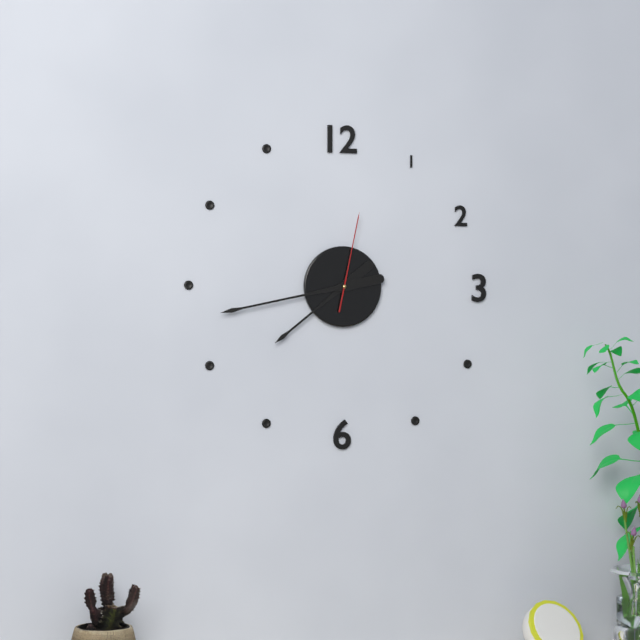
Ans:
7h43m02s
